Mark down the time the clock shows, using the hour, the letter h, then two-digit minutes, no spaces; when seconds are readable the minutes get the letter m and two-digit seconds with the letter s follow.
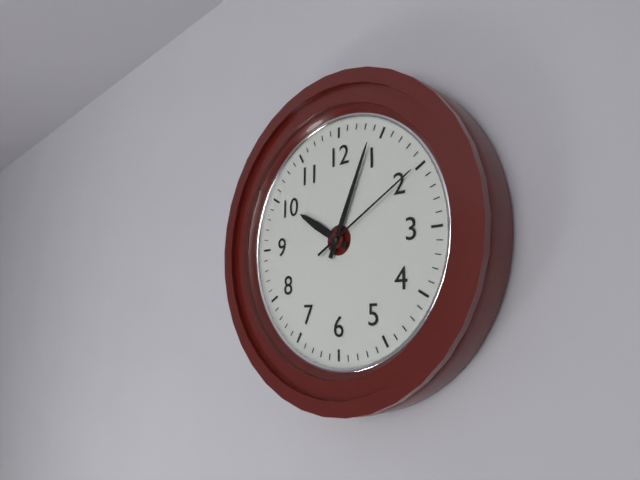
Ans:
10h04m10s
